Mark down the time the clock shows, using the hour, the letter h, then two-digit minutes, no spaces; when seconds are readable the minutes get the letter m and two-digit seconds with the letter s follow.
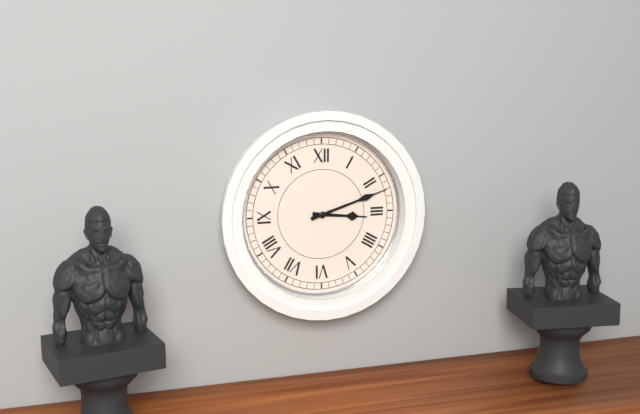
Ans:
3h12
